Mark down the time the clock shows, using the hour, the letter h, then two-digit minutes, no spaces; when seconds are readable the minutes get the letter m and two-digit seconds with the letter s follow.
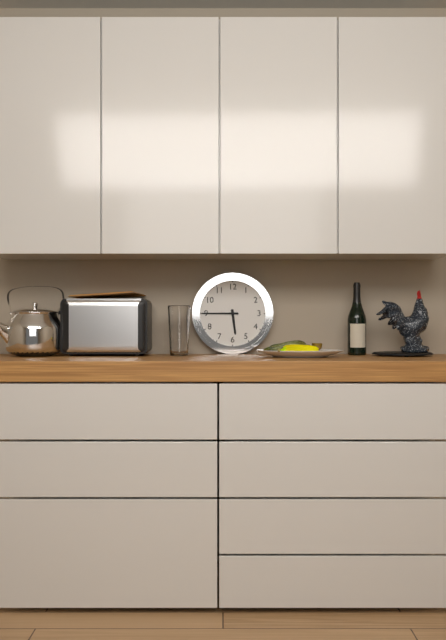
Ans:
5h45
